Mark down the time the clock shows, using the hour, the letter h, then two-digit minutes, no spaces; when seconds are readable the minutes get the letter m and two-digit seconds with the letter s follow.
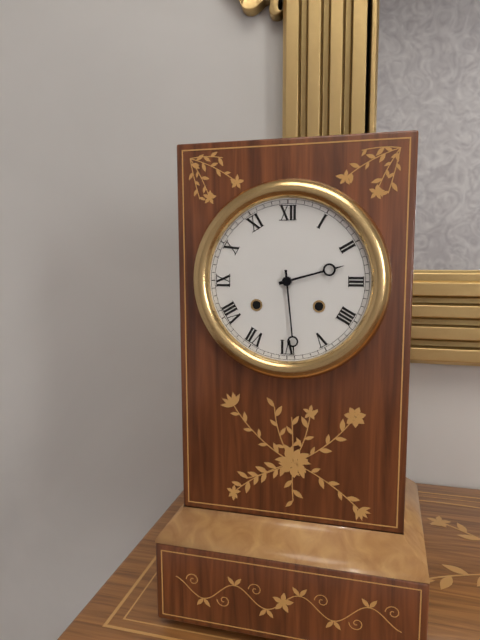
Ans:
2h29
